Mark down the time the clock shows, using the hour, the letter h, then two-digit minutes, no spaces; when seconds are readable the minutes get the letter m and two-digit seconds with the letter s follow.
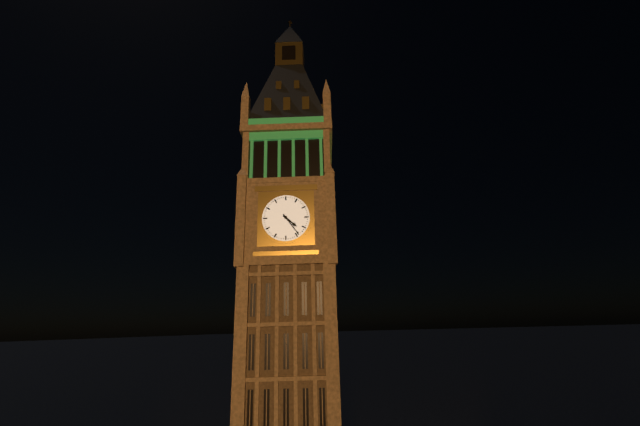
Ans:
4h24
